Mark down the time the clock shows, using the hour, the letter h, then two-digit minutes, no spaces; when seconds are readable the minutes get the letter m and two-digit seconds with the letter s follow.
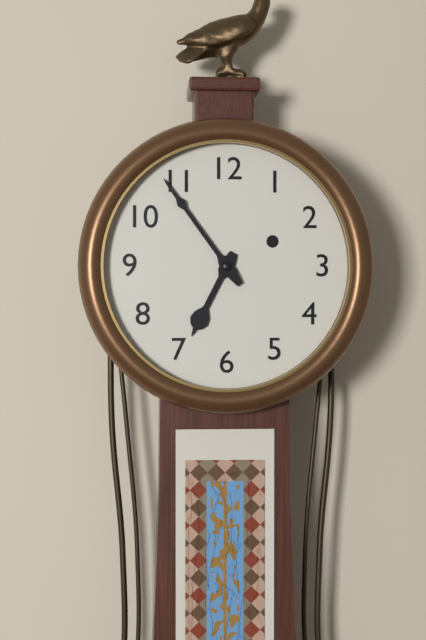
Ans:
6h54
